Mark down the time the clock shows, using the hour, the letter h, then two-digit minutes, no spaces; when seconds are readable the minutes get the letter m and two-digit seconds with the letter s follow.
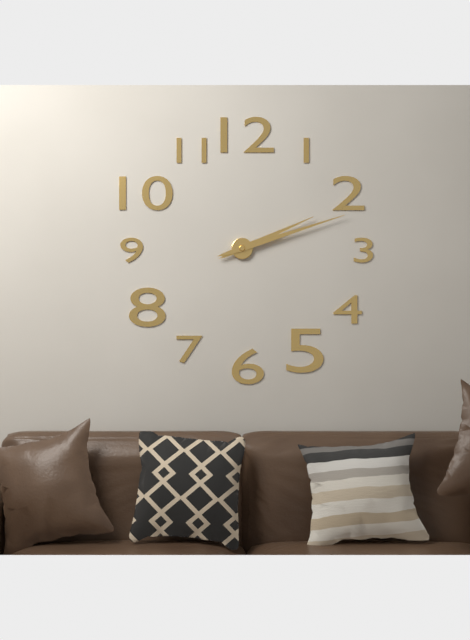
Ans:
2h12
